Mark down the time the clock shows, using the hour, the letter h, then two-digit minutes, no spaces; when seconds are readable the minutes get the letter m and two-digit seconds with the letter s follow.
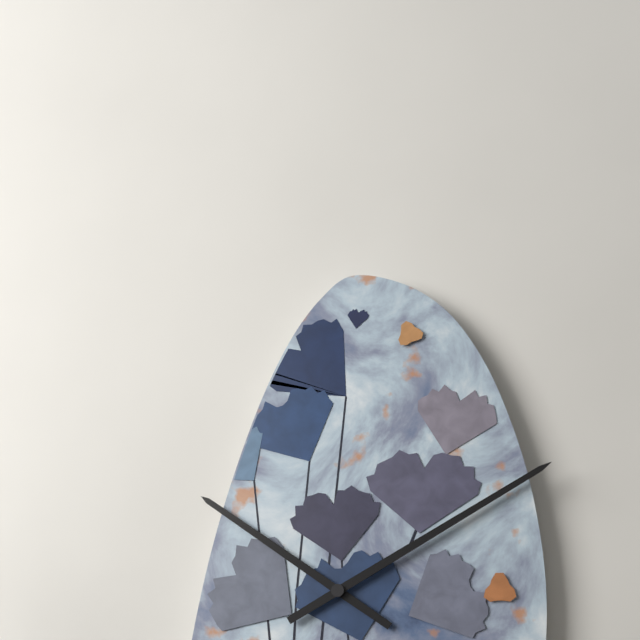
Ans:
10h10
